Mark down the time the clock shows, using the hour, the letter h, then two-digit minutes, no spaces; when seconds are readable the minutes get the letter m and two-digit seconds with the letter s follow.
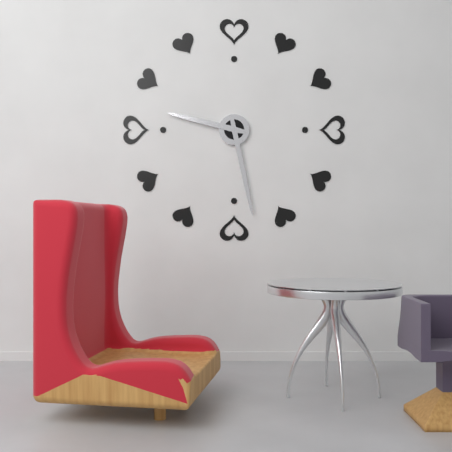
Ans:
9h28
